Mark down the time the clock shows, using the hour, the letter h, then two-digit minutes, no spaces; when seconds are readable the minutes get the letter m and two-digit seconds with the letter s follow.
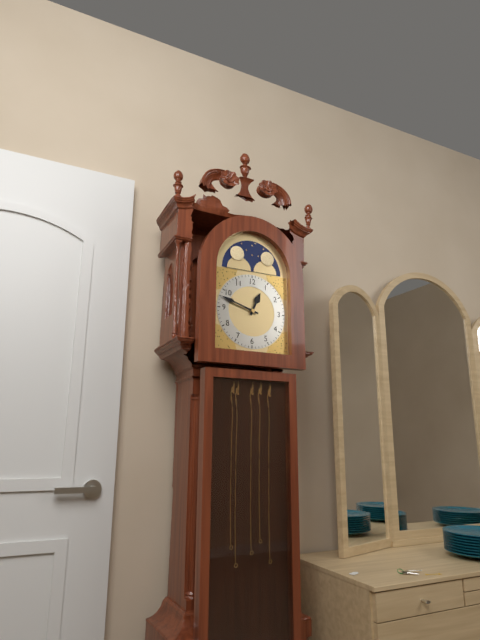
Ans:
12h48
